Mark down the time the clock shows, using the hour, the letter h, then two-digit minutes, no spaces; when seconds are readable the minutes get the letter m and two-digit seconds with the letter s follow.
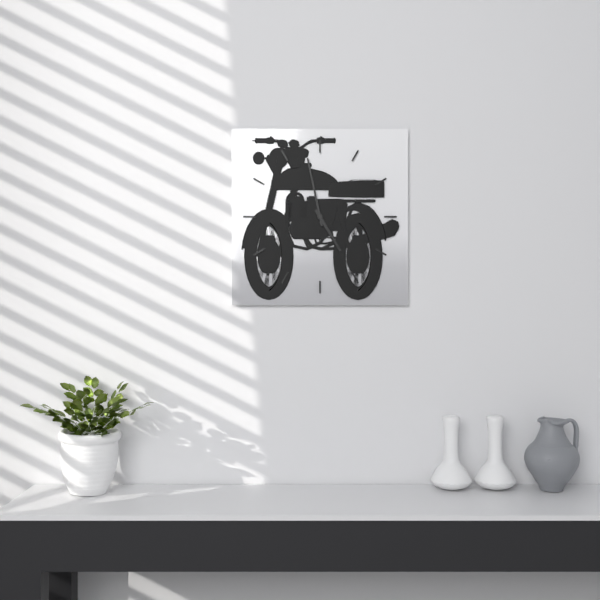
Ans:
4h58
